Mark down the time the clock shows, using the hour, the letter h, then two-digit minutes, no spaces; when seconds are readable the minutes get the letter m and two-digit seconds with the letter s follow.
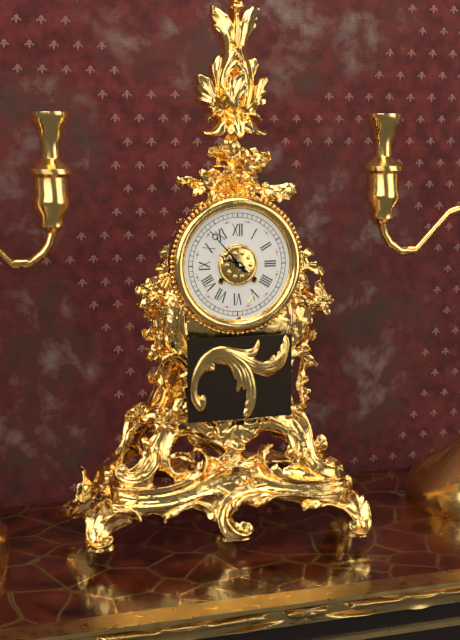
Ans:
9h53
